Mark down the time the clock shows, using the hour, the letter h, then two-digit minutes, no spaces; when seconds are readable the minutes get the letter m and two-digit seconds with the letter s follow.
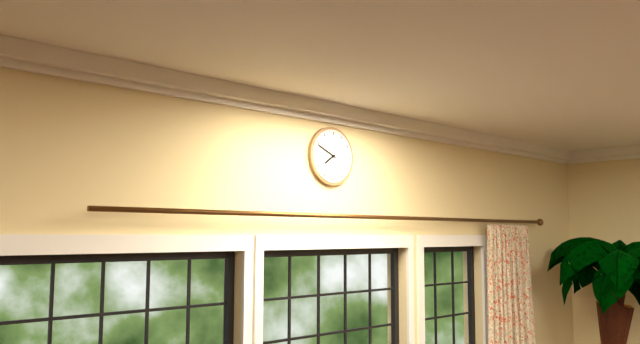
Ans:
7h49
